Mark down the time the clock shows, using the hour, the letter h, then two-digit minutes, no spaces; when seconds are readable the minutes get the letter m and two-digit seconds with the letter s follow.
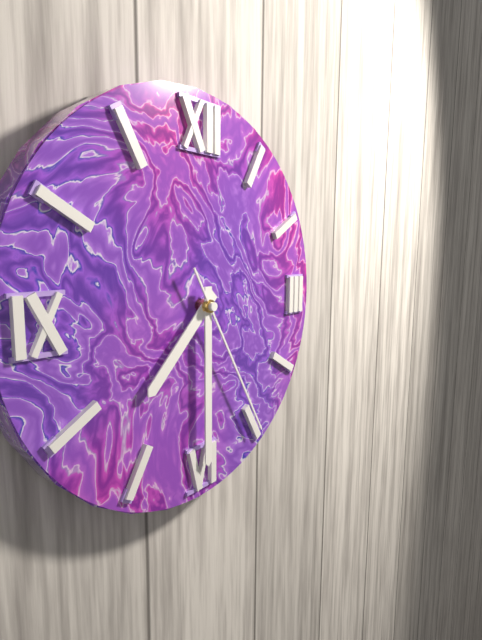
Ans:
7h30m25s
